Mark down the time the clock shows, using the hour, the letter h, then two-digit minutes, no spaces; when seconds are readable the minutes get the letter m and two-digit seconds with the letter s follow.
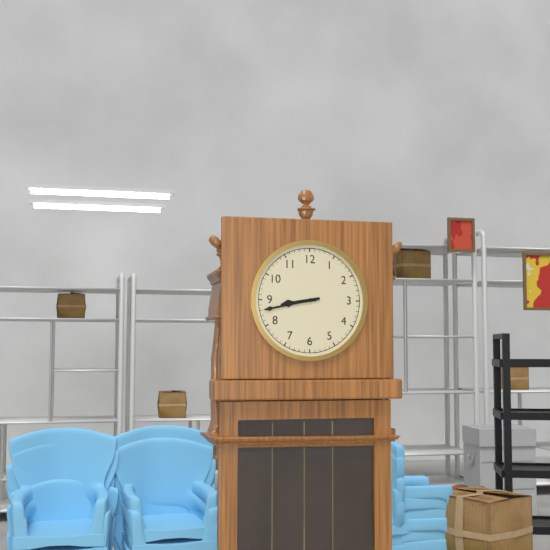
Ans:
8h43
